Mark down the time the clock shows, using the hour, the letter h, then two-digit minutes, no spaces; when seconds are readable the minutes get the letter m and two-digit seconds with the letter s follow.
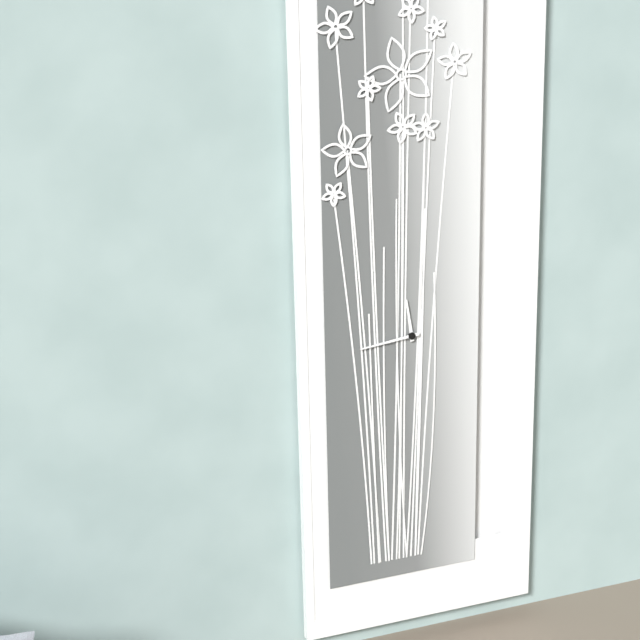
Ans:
11h44
